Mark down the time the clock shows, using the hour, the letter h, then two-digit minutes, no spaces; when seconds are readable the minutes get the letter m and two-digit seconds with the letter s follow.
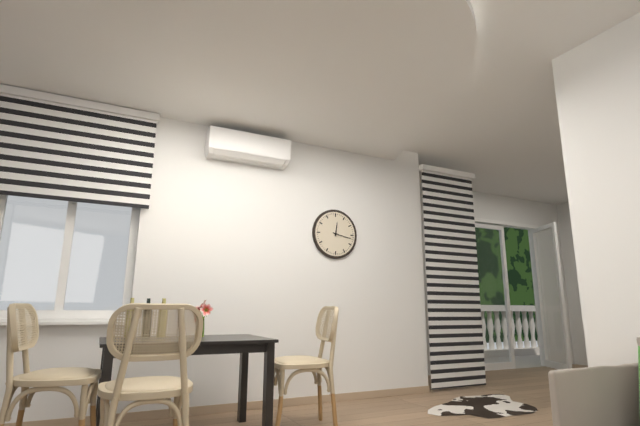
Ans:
12h17
